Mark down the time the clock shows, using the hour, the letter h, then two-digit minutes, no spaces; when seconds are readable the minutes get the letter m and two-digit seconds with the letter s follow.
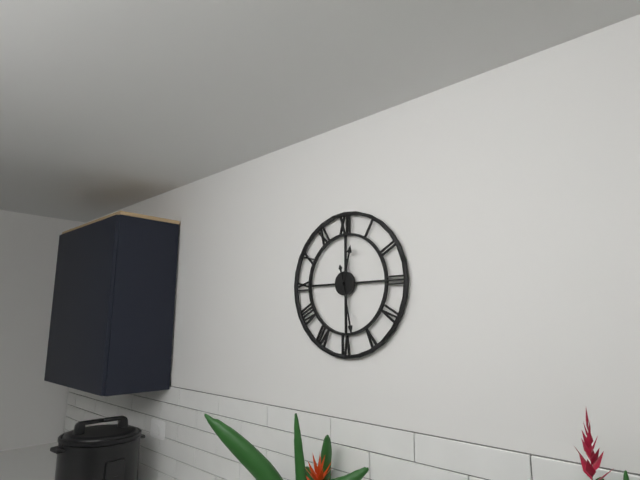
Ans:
12h28
